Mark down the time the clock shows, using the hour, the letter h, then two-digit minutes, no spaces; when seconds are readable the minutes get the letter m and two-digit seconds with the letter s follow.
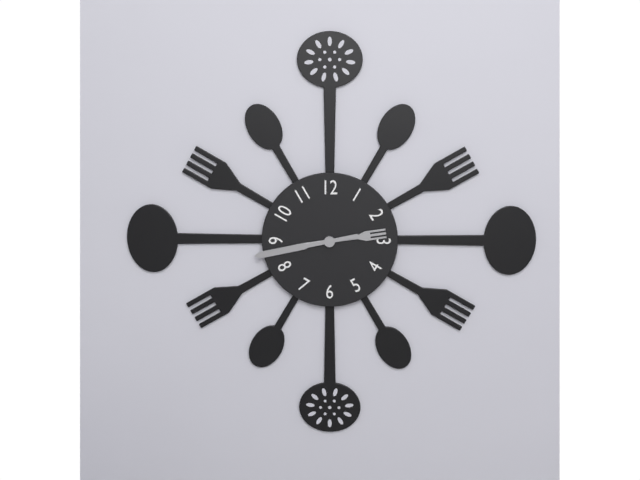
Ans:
2h43
